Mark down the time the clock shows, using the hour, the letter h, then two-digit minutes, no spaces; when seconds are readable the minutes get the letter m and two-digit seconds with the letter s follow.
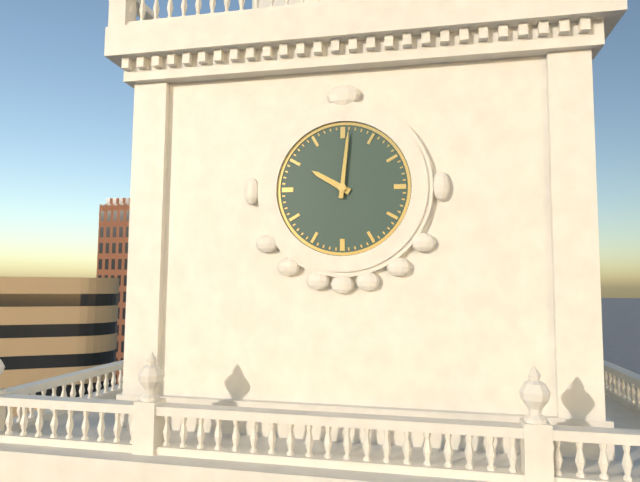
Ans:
10h01
